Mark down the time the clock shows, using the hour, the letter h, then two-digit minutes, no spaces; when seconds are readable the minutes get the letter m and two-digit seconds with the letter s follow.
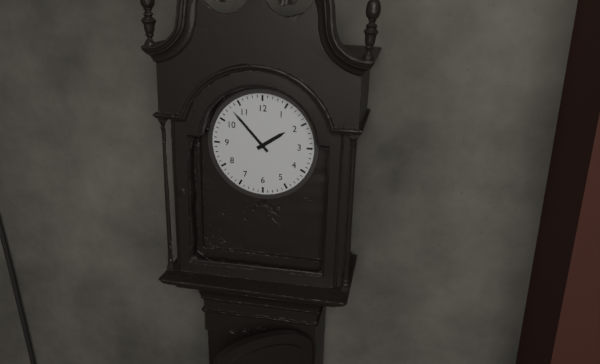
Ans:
1h53
